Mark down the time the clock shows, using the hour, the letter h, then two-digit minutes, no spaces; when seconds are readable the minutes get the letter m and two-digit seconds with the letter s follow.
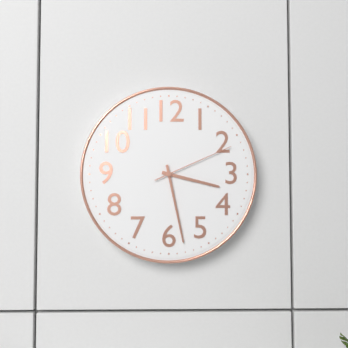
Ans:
3h28m11s
